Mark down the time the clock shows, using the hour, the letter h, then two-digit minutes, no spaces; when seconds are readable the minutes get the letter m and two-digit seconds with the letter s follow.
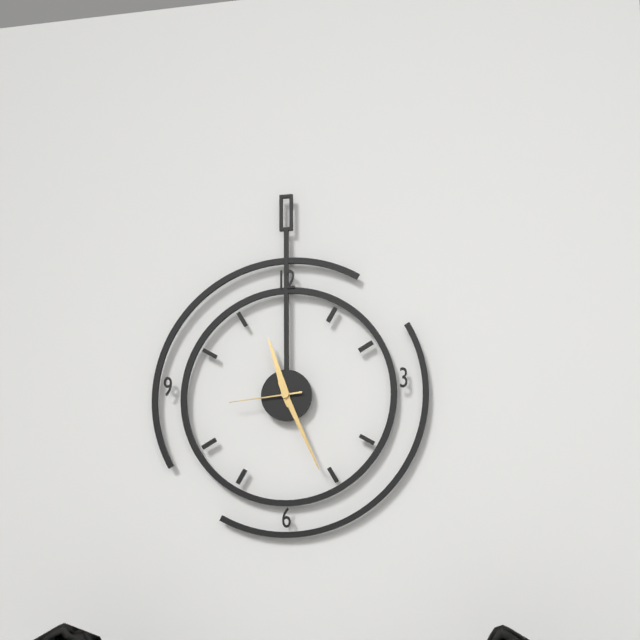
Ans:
11h26m44s
